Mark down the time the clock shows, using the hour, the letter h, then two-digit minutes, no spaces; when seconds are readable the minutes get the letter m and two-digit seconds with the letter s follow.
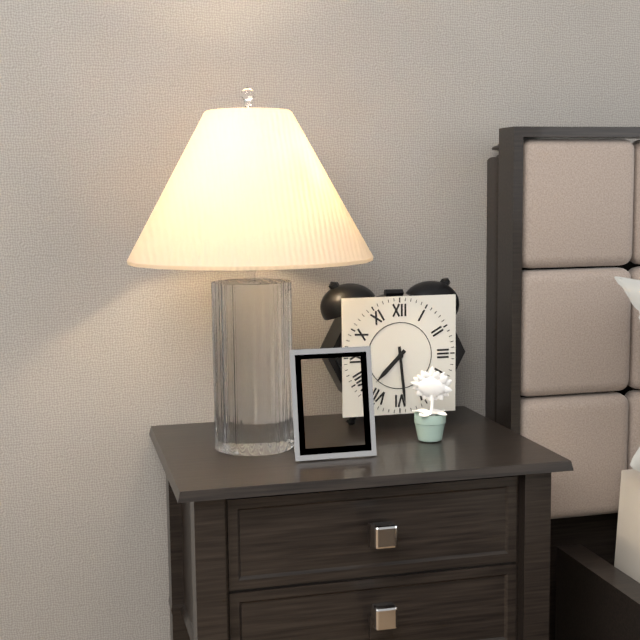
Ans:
7h29
